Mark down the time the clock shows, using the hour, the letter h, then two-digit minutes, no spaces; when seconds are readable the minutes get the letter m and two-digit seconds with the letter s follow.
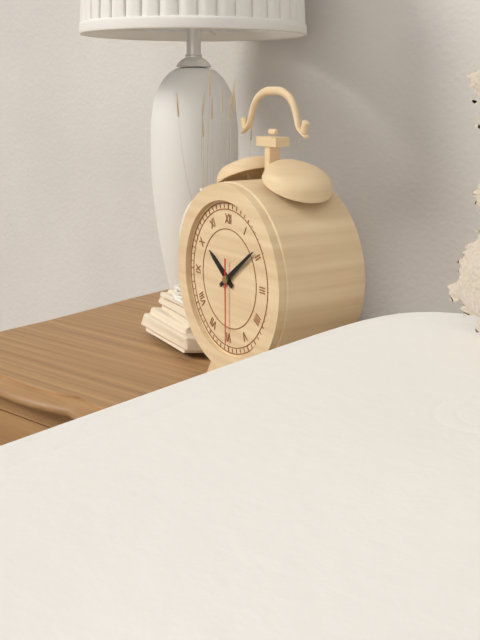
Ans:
10h09m30s
